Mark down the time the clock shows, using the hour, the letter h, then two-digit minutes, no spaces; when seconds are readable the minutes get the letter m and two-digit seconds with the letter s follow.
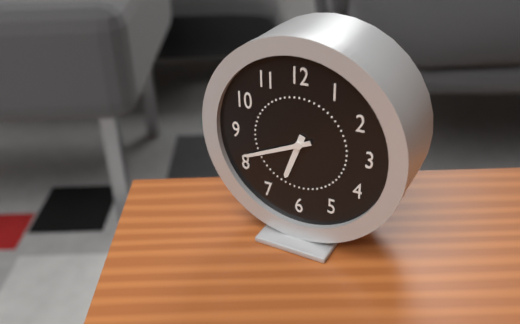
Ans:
6h41
